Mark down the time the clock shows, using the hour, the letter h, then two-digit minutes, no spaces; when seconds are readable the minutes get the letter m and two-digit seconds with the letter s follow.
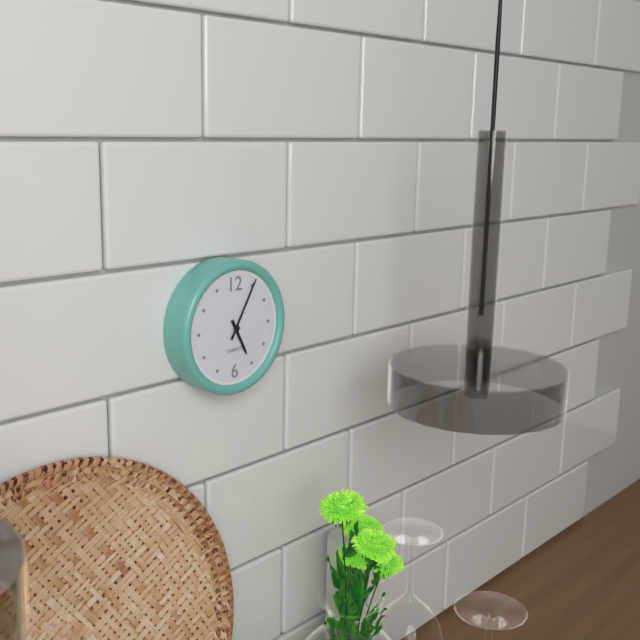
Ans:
5h05
